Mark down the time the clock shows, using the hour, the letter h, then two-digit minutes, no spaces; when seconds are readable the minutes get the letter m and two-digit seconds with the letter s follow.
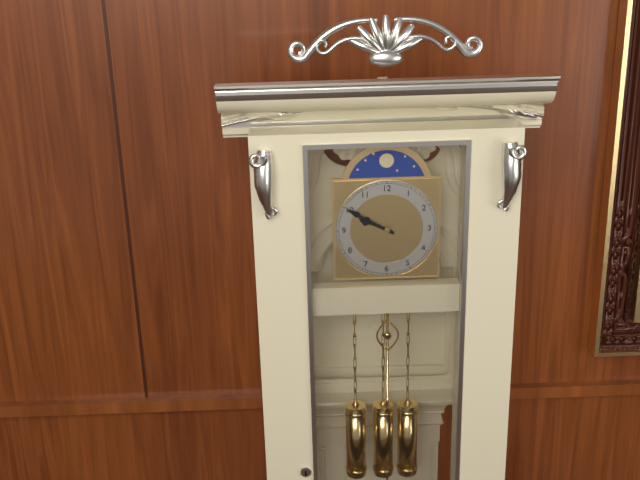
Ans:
9h50
